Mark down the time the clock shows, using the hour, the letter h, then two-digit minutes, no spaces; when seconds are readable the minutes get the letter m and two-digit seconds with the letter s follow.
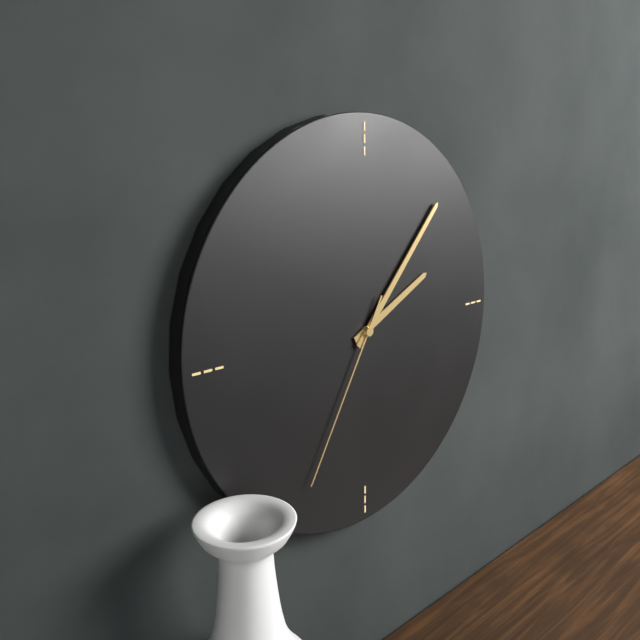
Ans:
2h07m35s
